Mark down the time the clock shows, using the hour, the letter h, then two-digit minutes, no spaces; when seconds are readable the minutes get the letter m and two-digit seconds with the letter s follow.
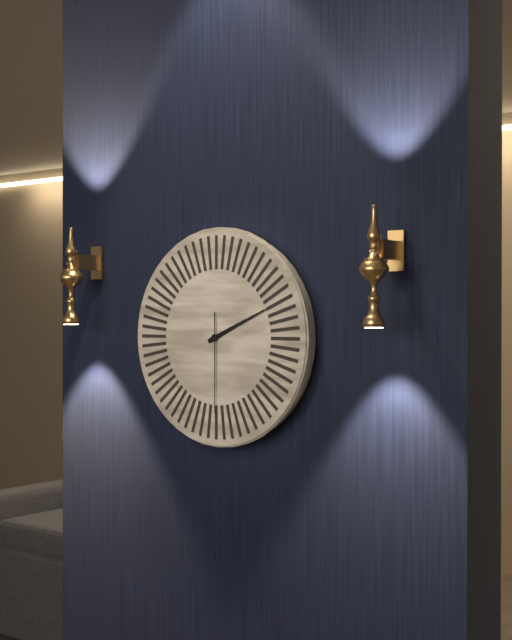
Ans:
2h11m30s
